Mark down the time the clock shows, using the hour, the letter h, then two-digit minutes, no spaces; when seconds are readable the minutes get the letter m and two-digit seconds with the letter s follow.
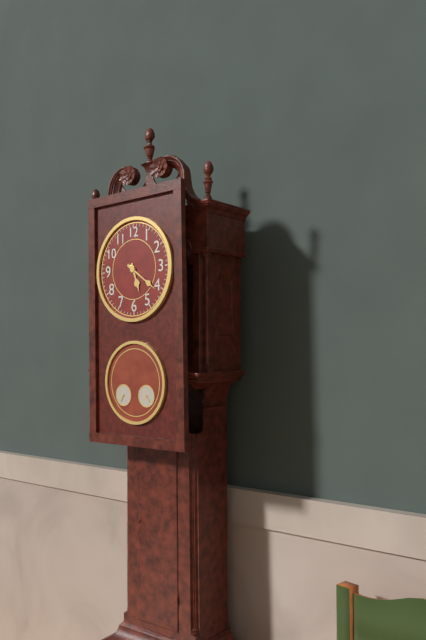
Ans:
5h21
